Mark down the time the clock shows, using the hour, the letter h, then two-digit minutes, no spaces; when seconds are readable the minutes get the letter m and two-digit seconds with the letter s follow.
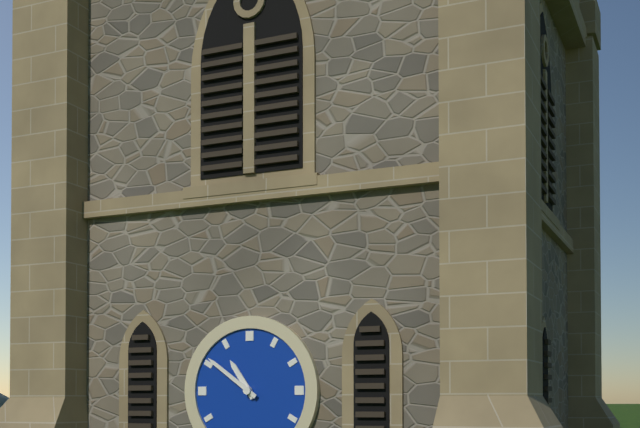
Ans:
10h51
